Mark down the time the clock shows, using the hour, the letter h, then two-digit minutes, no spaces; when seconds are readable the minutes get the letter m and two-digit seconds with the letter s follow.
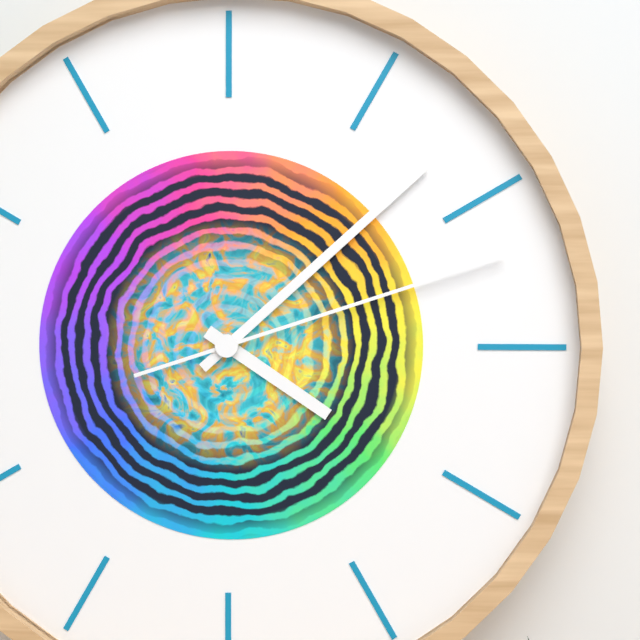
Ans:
4h08m12s
